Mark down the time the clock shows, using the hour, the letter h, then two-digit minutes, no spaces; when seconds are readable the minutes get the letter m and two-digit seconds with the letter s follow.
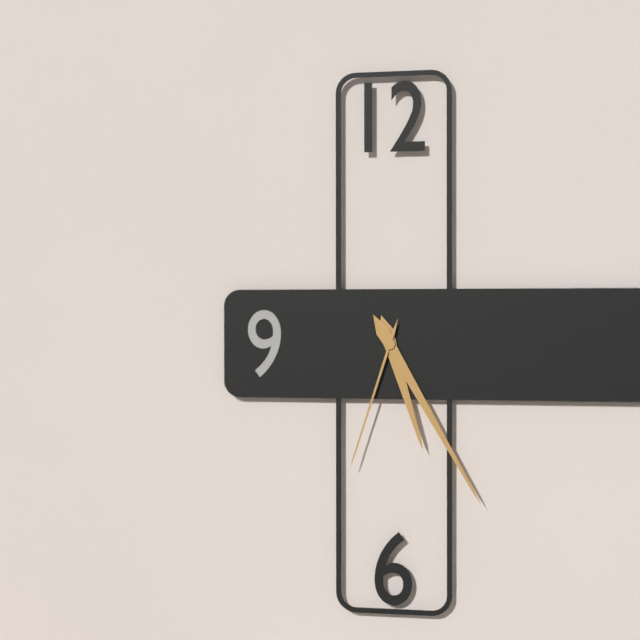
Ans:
5h25m33s
